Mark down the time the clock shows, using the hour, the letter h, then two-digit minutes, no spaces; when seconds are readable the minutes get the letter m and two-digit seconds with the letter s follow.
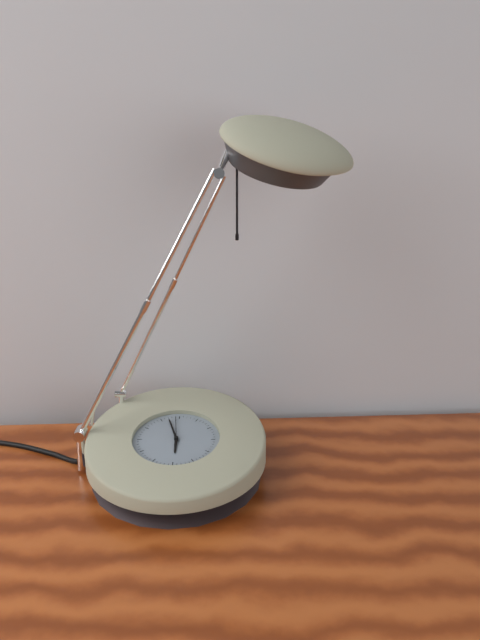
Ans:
5h57
